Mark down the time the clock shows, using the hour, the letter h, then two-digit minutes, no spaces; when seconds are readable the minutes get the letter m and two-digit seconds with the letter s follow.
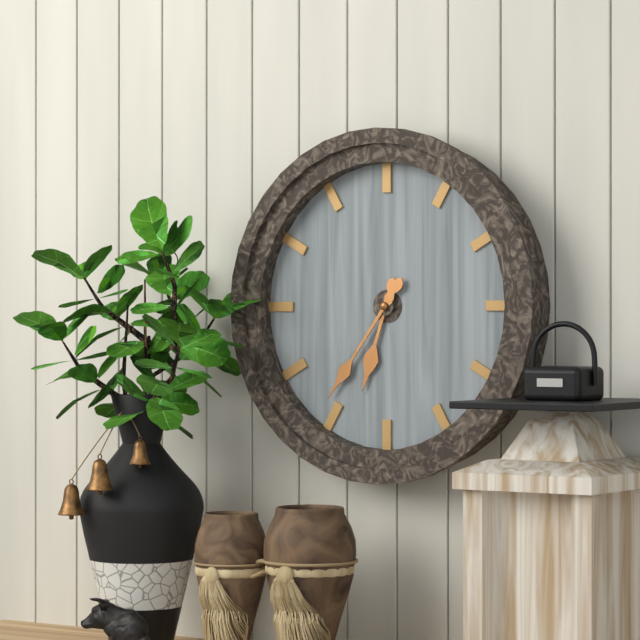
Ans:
6h36
